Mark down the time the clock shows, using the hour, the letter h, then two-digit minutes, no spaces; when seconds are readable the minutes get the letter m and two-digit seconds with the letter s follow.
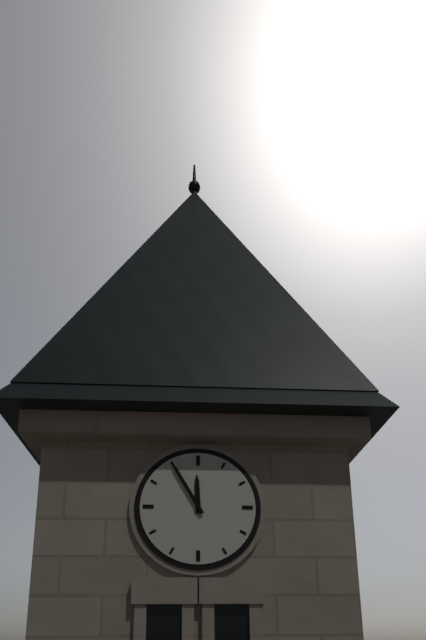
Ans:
11h55
